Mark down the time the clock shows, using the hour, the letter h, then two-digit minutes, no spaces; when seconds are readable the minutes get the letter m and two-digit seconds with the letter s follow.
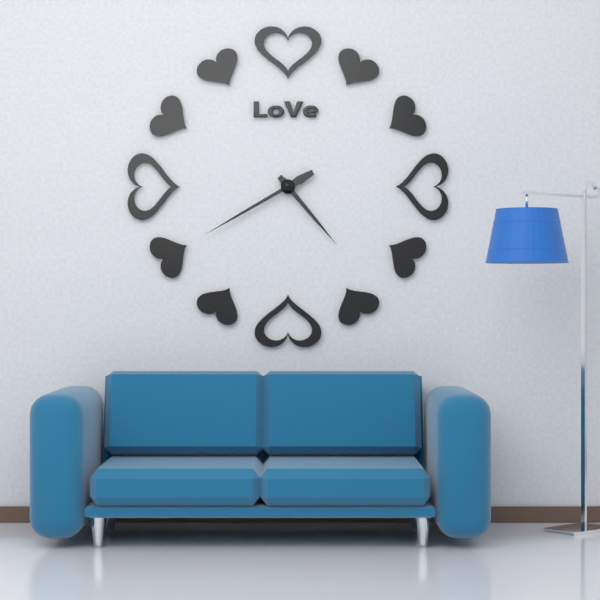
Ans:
4h40
